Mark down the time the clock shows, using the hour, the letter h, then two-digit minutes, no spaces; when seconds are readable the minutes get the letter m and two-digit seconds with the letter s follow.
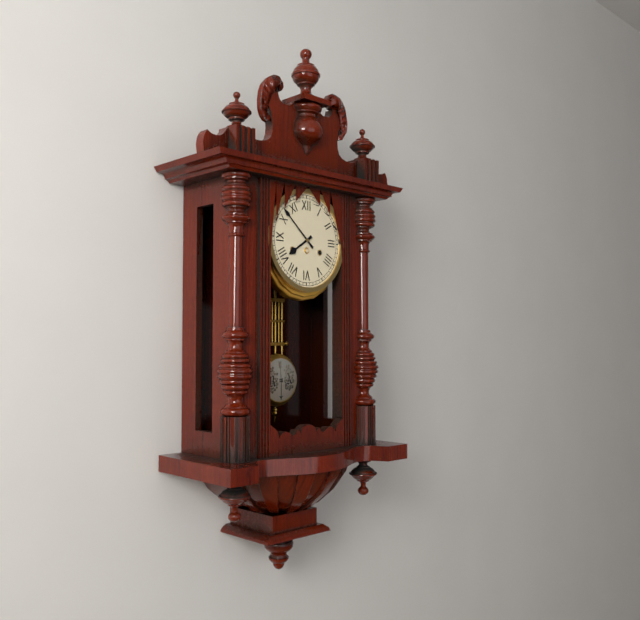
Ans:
7h52
